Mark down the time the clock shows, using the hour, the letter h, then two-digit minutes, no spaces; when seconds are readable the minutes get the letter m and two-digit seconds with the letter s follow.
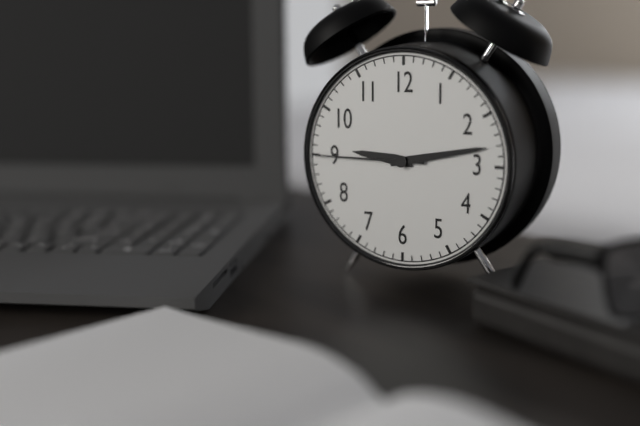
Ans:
9h13m45s
